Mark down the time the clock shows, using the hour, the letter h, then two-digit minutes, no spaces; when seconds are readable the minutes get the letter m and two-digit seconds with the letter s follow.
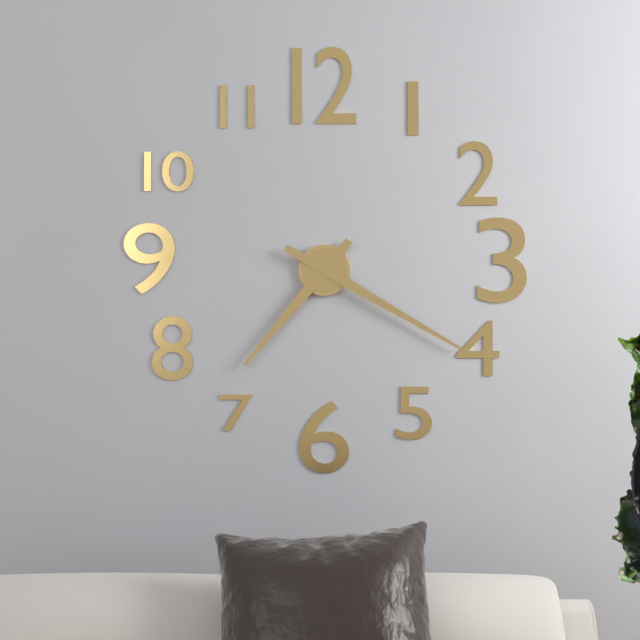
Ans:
7h20
